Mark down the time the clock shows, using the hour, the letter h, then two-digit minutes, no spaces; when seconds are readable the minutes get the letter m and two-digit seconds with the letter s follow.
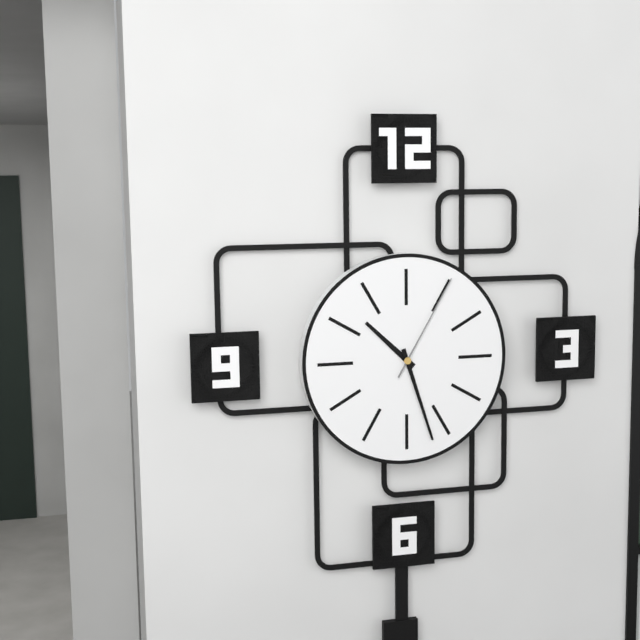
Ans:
10h27m05s
